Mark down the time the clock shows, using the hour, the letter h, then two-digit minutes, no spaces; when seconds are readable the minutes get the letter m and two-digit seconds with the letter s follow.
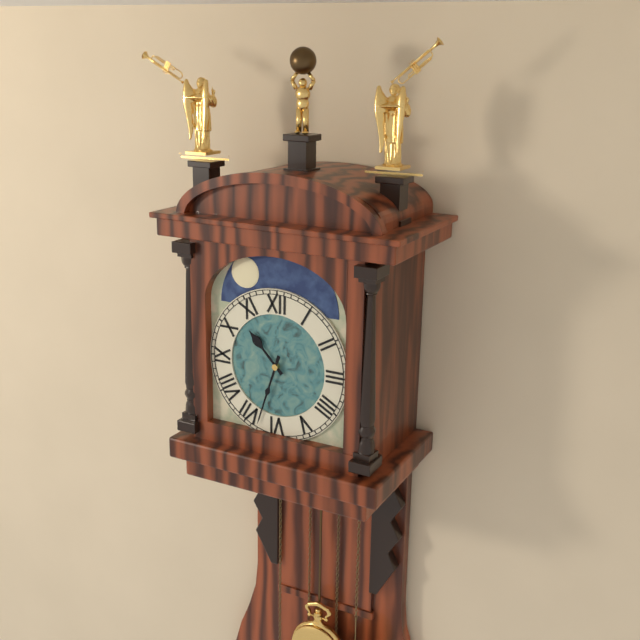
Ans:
10h33
